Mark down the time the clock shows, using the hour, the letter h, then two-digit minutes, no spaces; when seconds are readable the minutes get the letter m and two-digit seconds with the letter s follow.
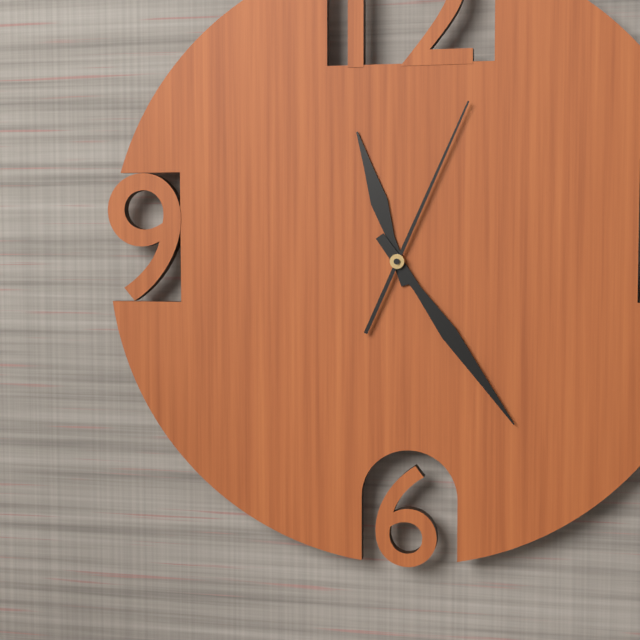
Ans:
11h24m04s
